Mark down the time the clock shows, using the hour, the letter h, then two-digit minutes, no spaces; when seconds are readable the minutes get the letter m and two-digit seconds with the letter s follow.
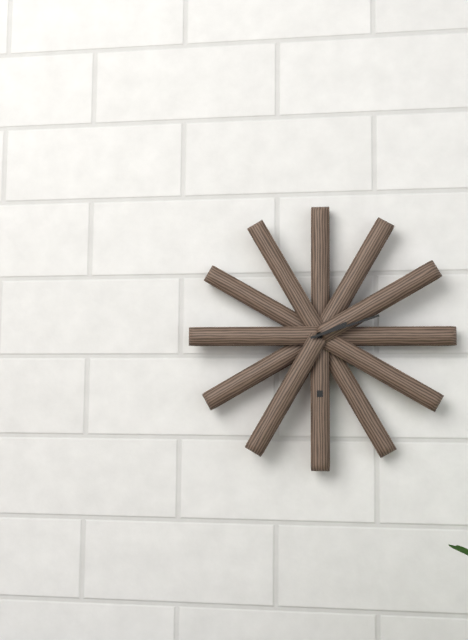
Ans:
2h12
